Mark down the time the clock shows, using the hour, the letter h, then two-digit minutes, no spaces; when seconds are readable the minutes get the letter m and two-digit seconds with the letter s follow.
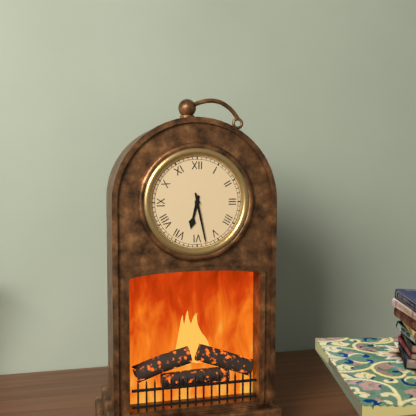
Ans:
6h28
